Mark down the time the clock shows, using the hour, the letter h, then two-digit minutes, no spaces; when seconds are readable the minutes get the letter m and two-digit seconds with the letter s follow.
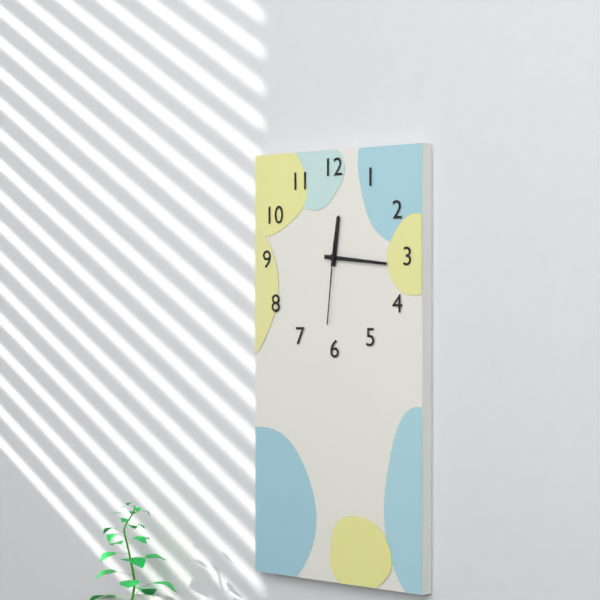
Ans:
12h16m31s
